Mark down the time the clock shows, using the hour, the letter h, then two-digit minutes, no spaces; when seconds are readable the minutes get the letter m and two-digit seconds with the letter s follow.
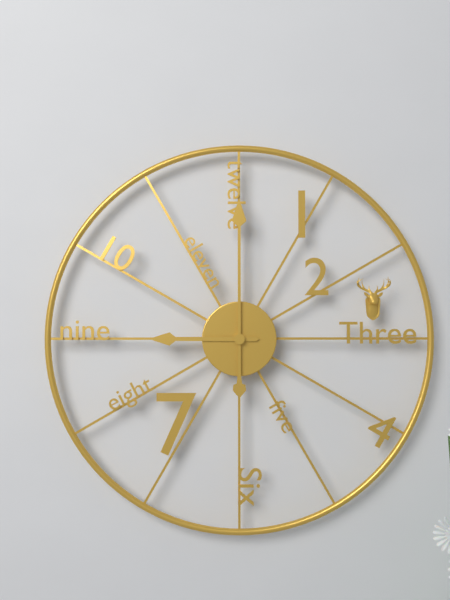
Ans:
9h00
